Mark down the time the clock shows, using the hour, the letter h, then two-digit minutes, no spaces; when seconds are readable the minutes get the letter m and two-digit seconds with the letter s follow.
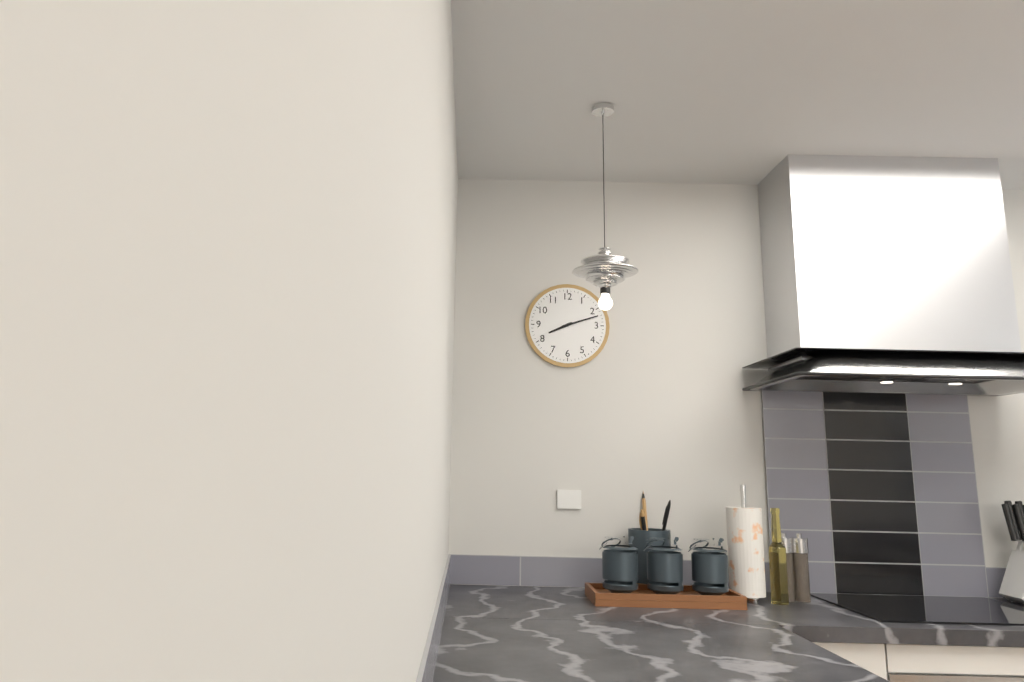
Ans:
8h12
